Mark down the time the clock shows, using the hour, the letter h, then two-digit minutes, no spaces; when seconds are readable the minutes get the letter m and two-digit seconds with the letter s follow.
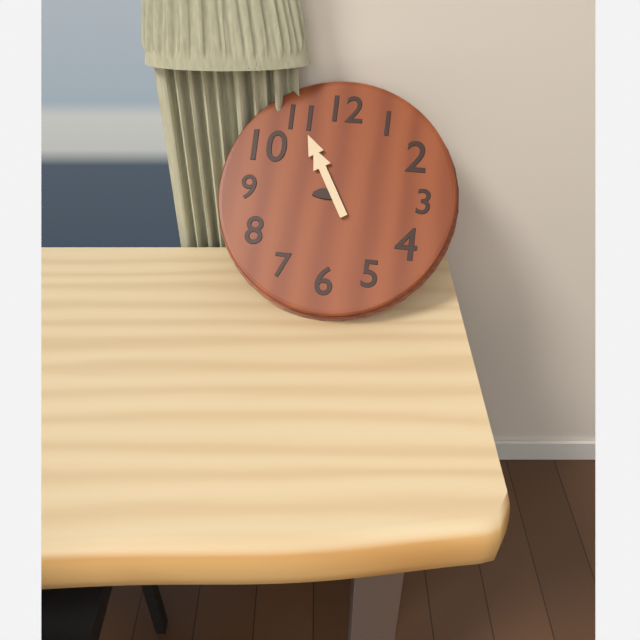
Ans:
8h55
